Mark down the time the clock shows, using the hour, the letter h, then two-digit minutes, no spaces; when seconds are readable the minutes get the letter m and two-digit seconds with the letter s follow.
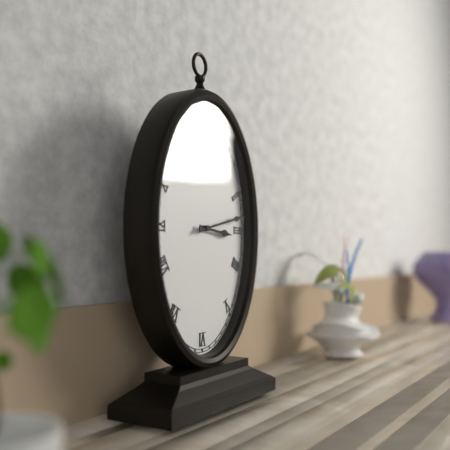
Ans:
3h13
